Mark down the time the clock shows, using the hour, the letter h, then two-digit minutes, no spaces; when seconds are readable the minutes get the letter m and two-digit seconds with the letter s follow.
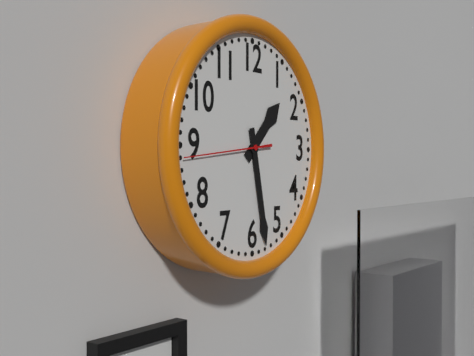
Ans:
1h28m44s
